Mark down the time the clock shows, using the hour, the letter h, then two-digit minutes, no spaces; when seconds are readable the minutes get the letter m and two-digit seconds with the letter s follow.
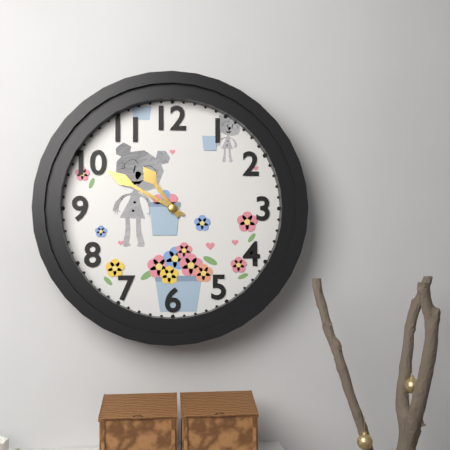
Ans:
10h50
